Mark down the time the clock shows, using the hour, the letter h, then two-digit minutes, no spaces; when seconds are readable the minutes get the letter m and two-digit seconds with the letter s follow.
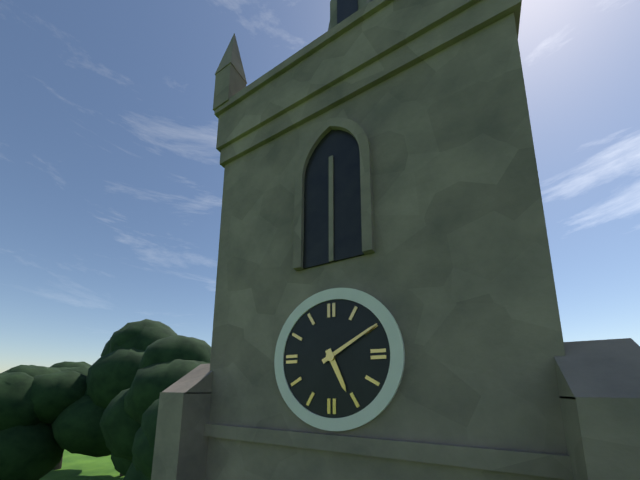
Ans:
5h10
